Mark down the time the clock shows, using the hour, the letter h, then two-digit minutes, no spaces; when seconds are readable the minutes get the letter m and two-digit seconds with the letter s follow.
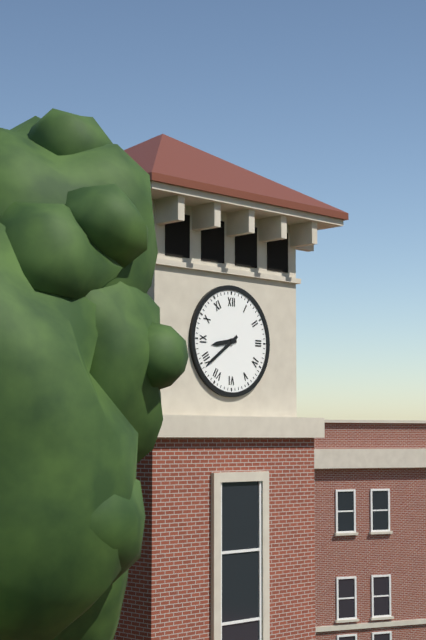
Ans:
8h39
